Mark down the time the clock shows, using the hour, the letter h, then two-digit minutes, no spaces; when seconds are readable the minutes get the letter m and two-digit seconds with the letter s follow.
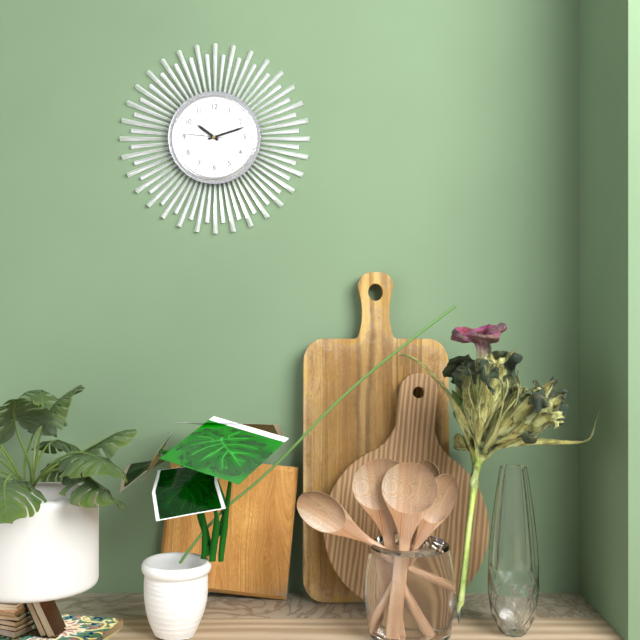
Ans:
10h12
